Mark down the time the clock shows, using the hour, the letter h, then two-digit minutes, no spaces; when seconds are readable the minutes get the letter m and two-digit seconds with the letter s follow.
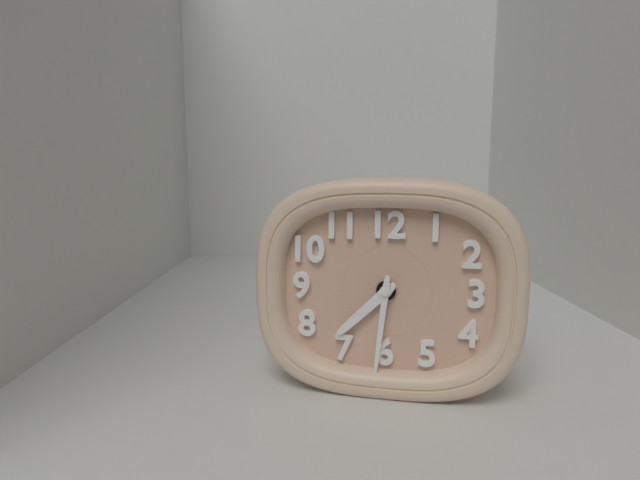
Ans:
7h31
